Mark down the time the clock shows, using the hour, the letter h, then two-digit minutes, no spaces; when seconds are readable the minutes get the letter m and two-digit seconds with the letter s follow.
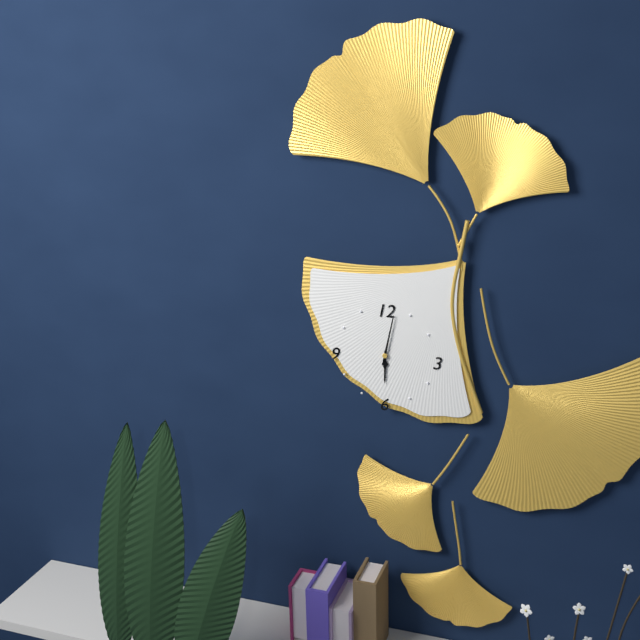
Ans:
6h02
